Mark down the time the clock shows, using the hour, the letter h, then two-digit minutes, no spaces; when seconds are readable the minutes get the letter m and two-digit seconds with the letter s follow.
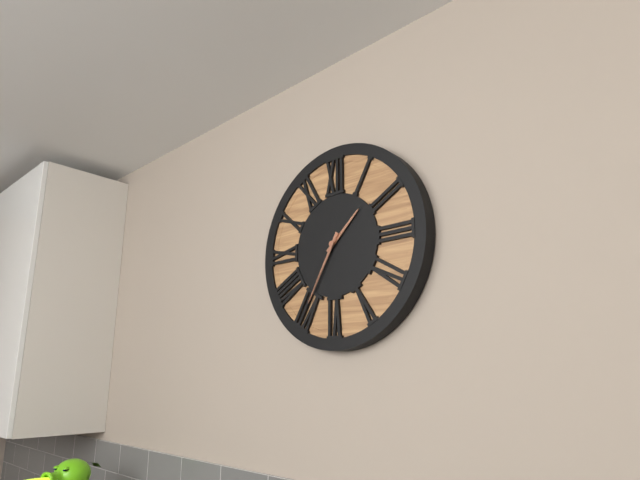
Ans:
1h35
